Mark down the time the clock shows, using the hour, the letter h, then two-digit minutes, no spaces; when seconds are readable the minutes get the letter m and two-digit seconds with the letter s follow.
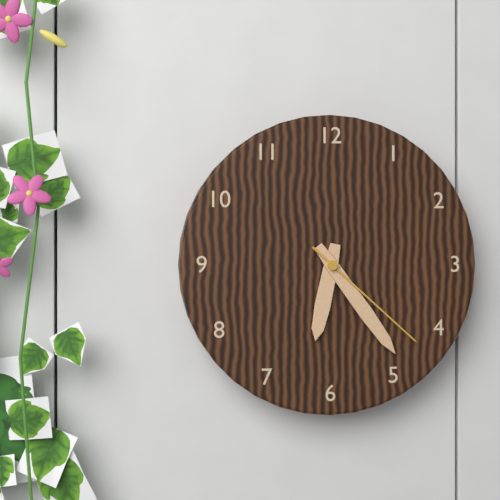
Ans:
6h24m22s
